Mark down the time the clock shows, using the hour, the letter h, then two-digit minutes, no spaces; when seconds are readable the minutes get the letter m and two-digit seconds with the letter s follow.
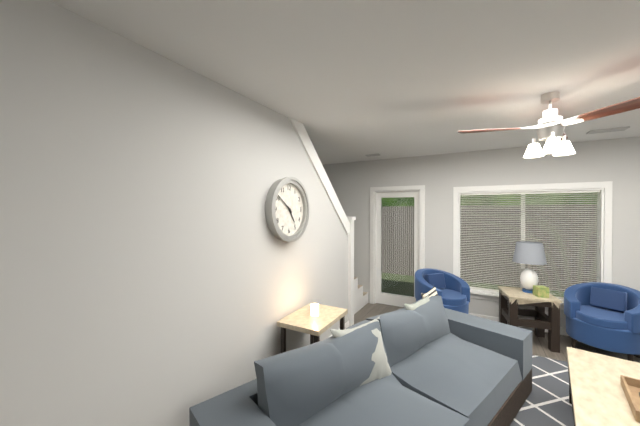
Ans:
4h51
